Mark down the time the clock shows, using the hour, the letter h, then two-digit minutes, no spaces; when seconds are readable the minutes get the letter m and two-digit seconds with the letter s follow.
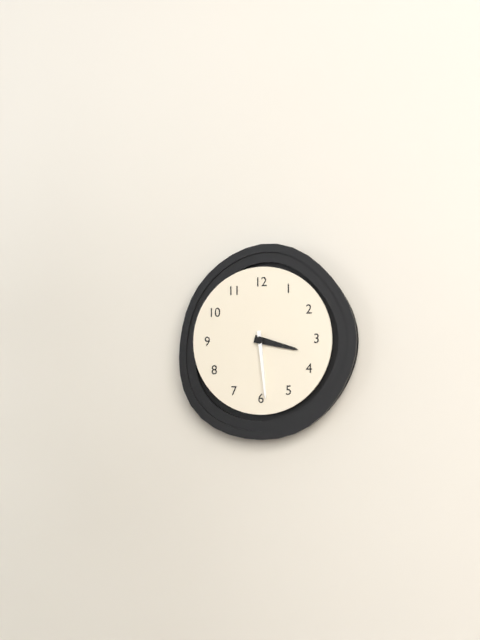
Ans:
3h29
